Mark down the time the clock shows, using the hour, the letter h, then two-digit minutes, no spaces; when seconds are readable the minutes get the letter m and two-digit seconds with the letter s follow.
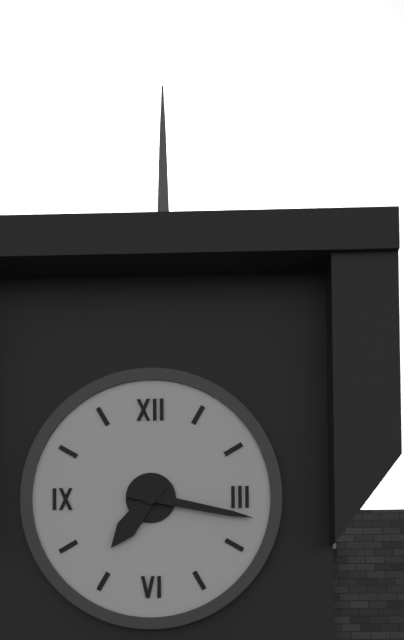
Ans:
7h17
